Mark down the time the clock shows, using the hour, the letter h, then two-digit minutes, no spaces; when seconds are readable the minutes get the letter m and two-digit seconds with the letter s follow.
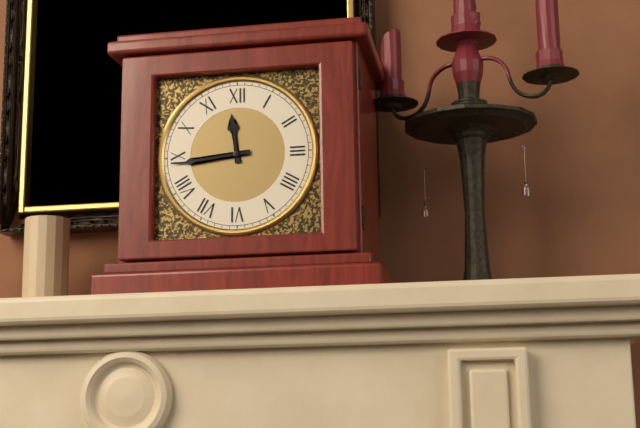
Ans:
11h44
